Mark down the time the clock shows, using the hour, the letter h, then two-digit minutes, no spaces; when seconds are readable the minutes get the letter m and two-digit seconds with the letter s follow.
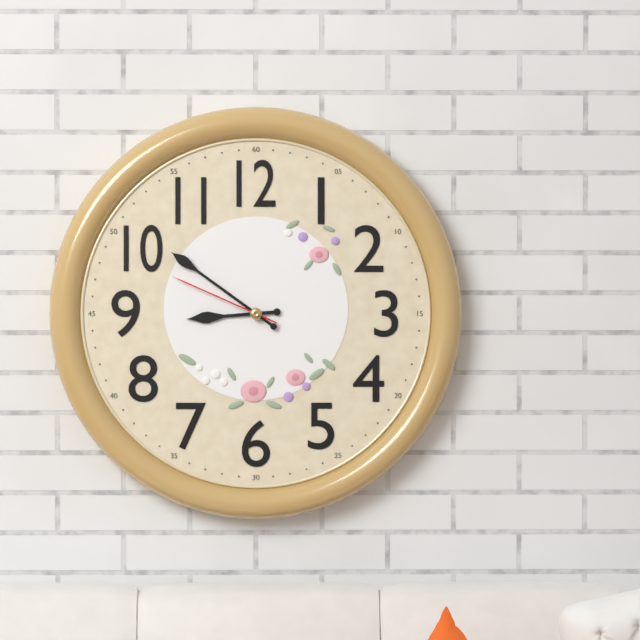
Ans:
8h51m49s
